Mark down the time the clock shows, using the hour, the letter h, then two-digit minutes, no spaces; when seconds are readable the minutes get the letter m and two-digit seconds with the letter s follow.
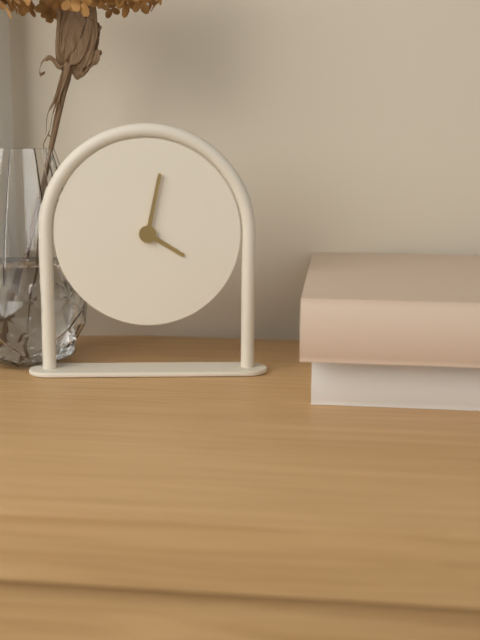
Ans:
4h02
